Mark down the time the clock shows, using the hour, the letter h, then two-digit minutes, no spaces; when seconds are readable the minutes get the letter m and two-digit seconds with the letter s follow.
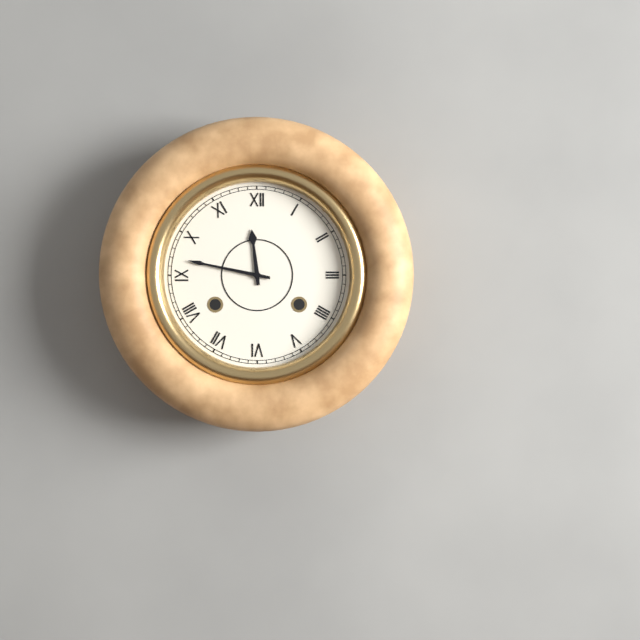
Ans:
11h47
